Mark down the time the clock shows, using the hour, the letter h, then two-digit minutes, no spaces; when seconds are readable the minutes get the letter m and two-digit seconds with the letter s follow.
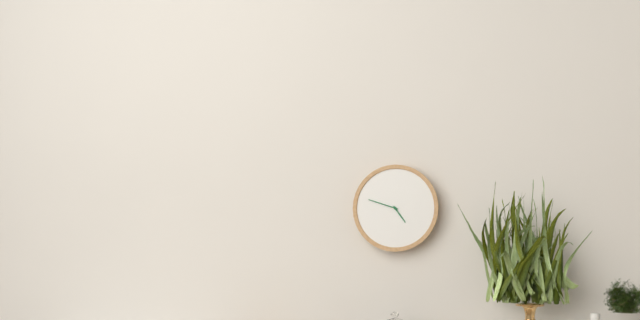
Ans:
4h48
